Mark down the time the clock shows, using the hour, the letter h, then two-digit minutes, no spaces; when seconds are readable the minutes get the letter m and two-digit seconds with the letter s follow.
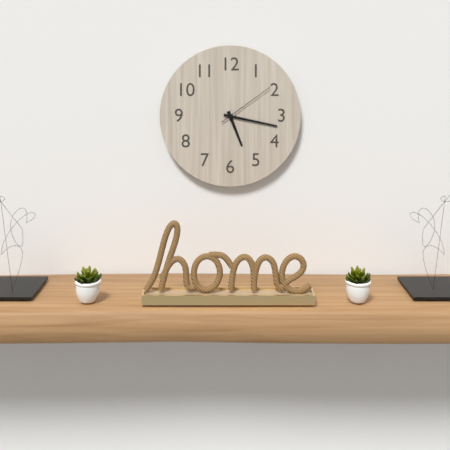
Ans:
5h17m09s
